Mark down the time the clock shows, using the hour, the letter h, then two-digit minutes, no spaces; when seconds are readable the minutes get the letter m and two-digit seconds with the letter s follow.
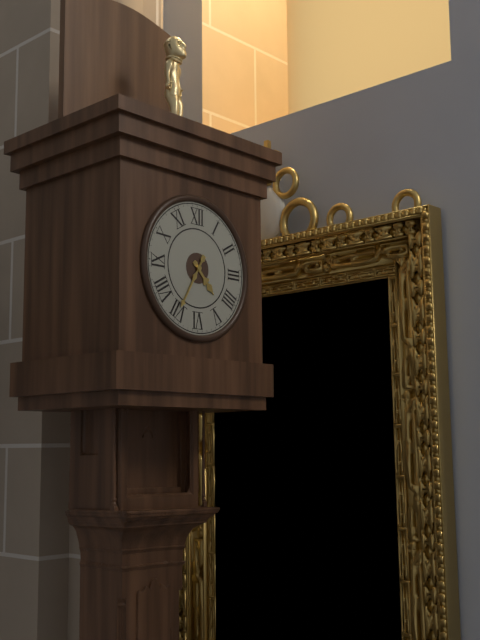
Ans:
4h35
